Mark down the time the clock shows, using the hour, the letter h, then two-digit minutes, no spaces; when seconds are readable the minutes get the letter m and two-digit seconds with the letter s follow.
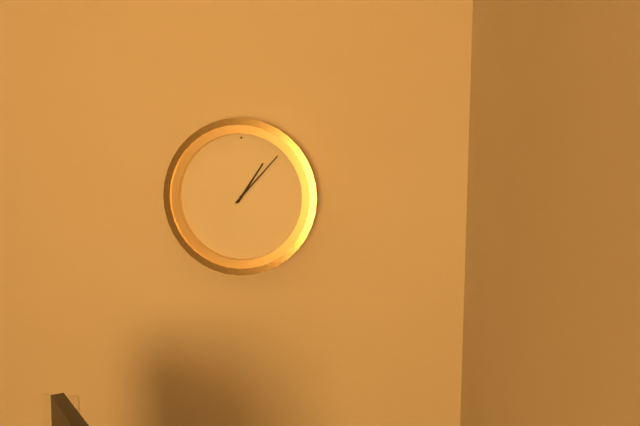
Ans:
1h07
